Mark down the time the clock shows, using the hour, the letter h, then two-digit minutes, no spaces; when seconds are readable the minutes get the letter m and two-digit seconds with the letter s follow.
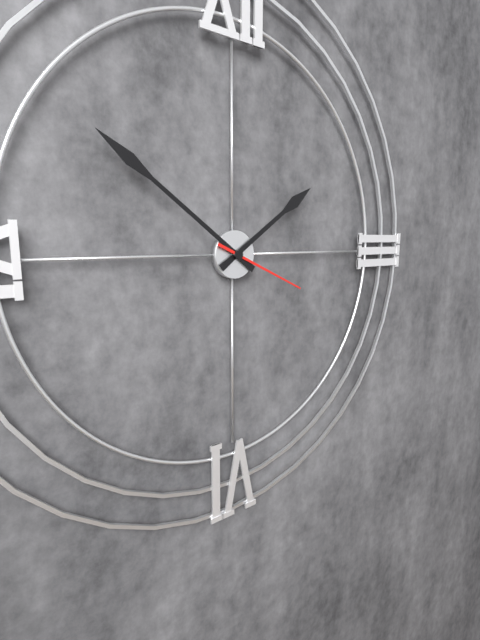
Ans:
1h51m19s
